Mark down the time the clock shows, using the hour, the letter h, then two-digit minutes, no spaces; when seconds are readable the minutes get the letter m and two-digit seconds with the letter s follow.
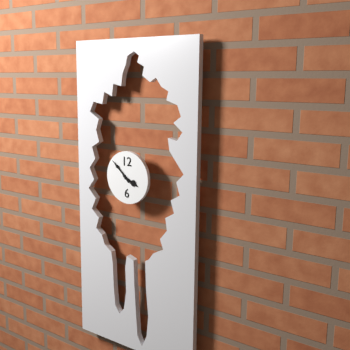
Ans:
3h52
